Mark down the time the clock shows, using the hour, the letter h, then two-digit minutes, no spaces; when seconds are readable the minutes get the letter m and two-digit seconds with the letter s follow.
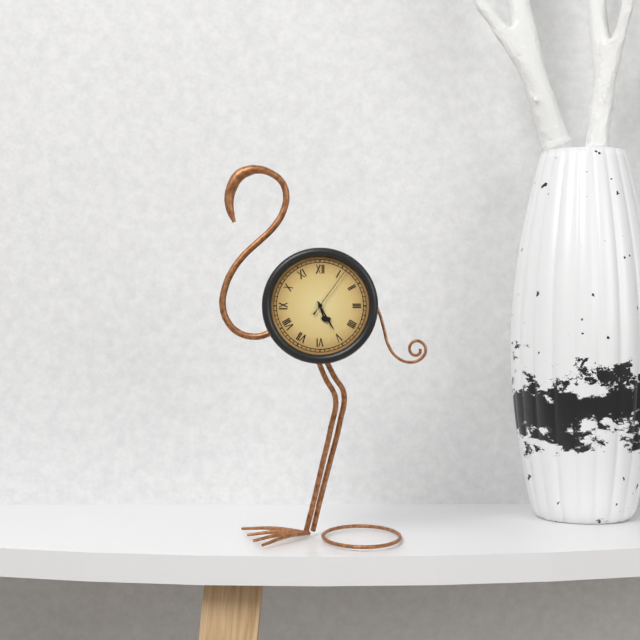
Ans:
5h25m06s
